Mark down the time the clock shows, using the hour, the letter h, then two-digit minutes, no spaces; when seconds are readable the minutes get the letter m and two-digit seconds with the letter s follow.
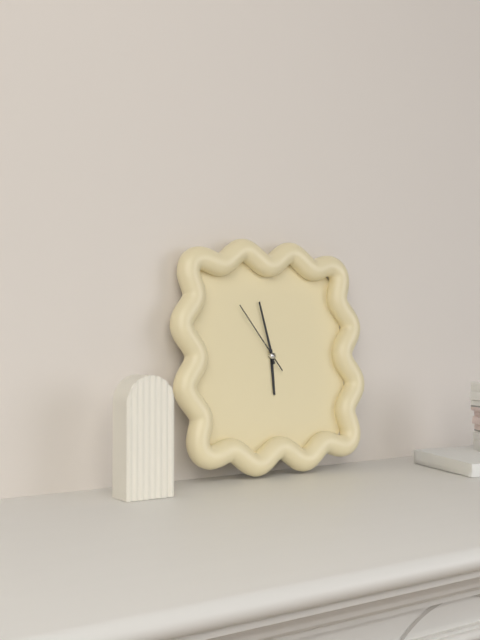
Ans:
5h58m54s
